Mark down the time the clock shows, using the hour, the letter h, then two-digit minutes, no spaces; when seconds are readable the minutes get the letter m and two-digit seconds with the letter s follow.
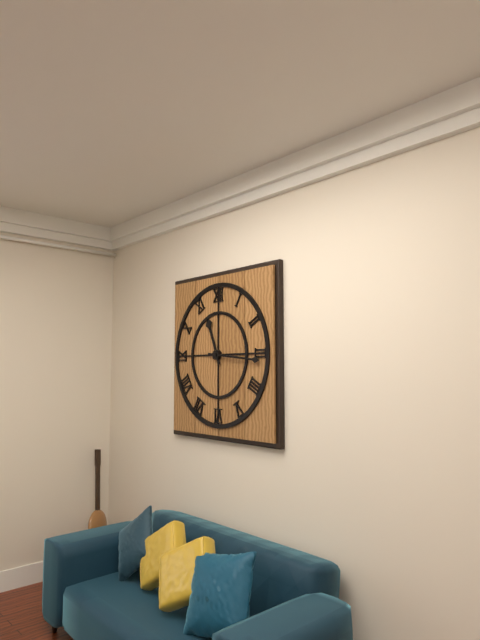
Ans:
11h16
